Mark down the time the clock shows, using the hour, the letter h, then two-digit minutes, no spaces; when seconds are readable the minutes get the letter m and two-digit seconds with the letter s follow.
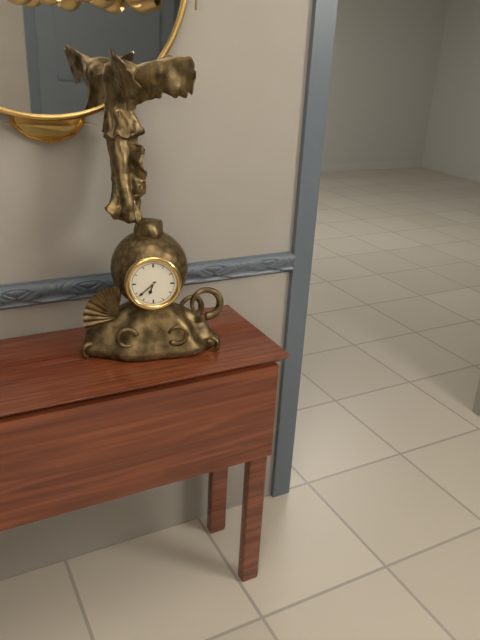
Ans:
6h38
